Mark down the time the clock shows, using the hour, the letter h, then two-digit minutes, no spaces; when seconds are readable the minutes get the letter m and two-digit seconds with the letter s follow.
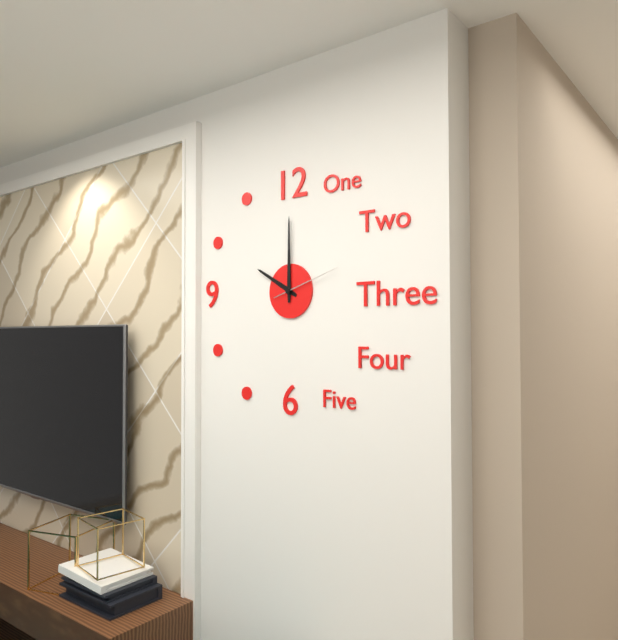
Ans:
10h00m12s
